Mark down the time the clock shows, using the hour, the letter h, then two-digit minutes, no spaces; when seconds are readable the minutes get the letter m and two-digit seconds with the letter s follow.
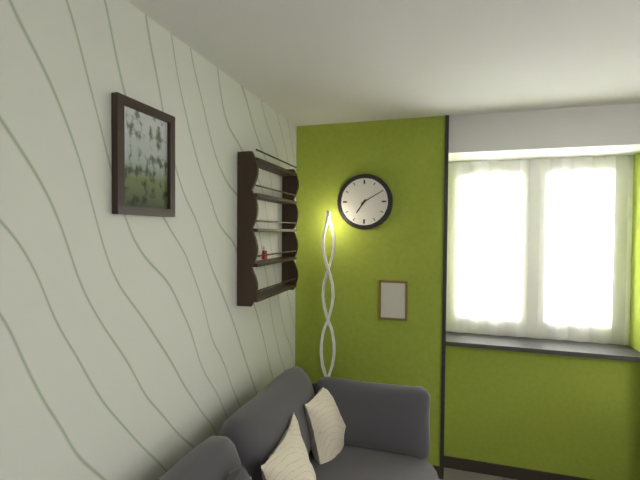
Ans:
7h10
